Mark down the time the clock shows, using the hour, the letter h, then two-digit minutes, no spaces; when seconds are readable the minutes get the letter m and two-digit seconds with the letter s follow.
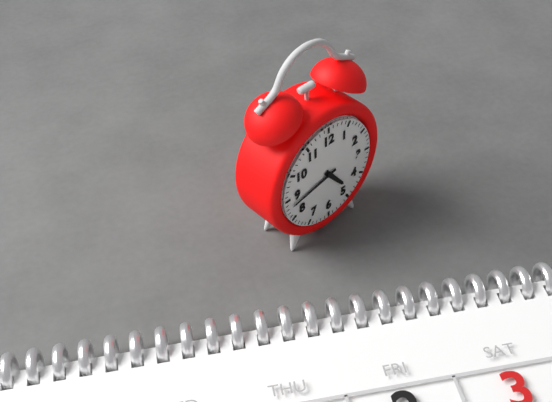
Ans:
4h43
